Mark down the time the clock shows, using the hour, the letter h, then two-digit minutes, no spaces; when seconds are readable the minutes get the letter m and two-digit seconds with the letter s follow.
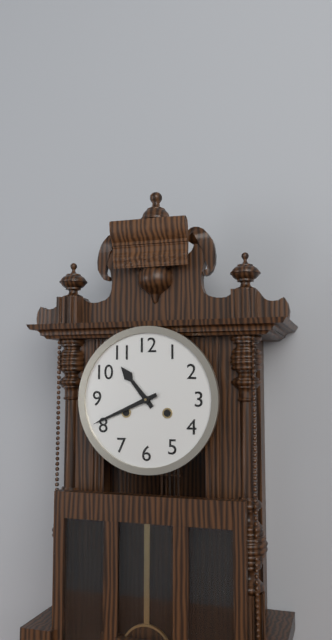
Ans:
10h41
